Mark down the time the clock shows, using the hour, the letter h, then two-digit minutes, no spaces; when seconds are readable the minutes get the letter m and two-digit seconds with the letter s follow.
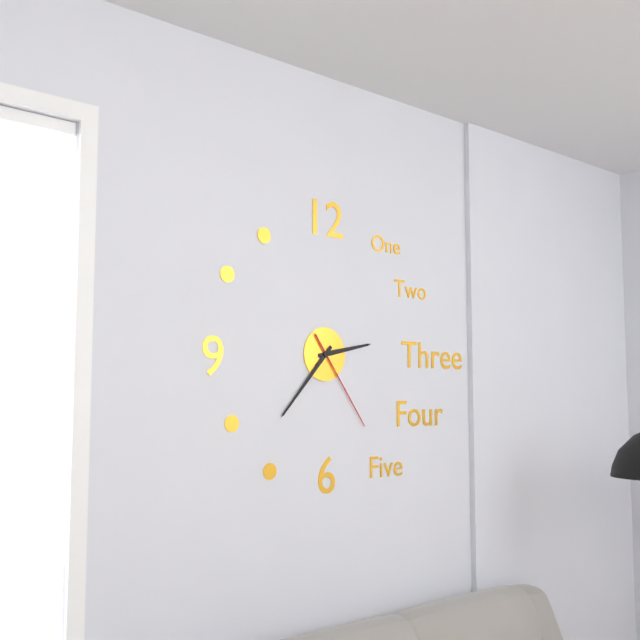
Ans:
2h37m24s
